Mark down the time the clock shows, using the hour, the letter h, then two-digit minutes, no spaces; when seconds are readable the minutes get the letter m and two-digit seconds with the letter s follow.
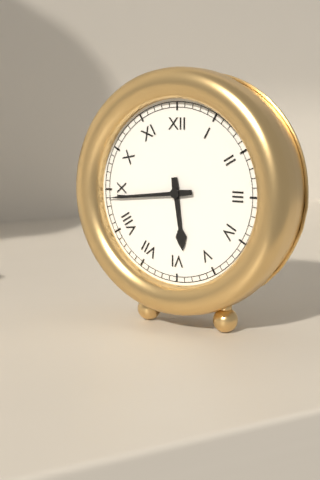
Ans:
5h44
